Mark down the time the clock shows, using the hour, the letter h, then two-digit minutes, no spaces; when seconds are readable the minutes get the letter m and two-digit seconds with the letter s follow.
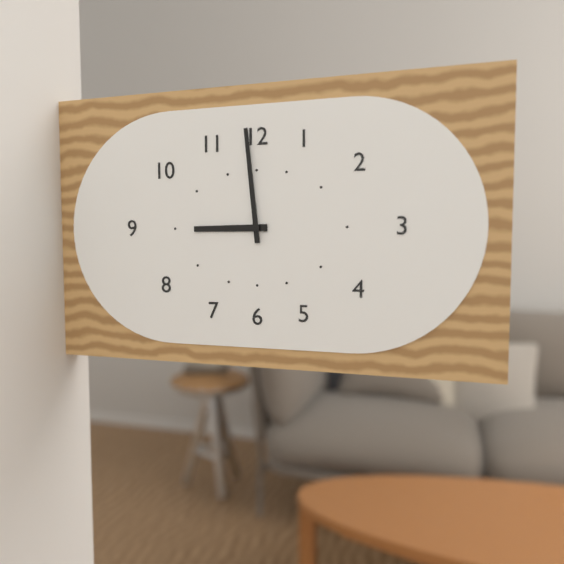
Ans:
8h59
